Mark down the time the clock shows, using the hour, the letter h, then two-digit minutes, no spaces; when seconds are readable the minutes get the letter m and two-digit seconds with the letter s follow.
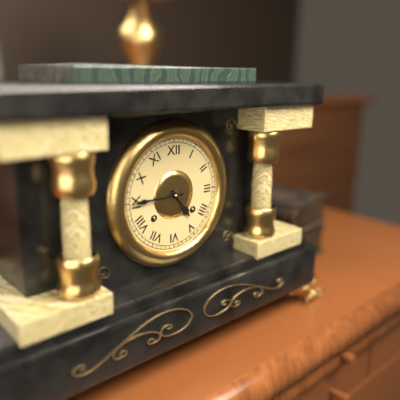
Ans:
4h45
